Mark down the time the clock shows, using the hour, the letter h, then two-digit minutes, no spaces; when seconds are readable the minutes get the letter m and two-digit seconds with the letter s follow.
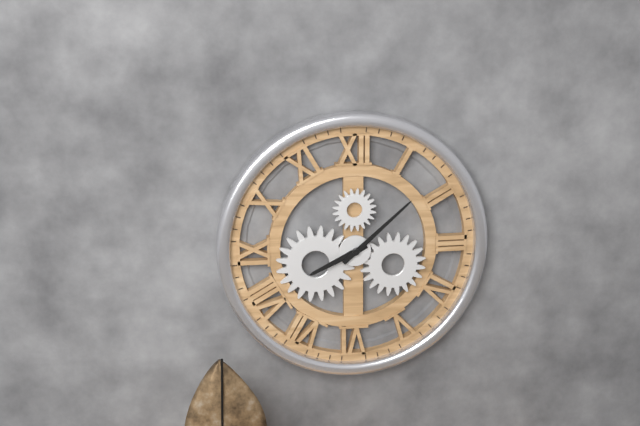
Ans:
8h08
